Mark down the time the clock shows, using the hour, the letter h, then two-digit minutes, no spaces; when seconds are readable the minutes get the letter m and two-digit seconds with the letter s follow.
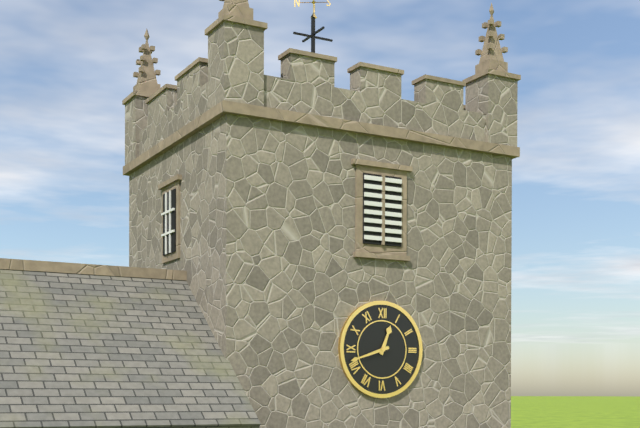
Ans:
12h42
